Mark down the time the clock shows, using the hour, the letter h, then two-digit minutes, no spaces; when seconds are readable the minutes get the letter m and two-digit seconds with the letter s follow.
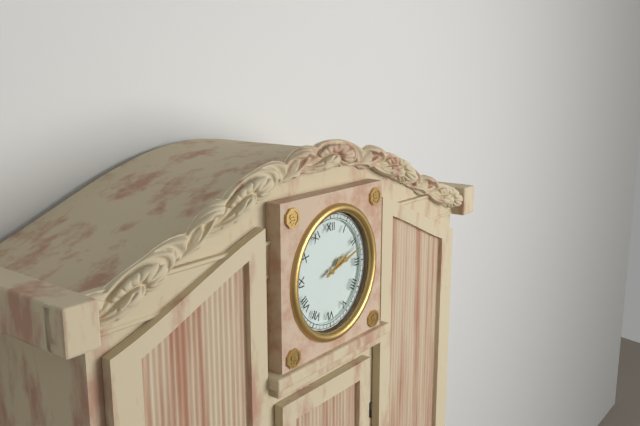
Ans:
2h12
